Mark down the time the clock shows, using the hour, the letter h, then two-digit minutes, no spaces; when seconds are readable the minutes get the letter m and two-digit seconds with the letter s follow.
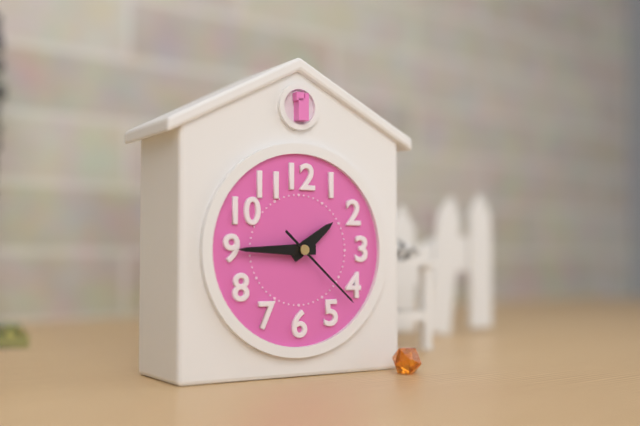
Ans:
1h45m22s
